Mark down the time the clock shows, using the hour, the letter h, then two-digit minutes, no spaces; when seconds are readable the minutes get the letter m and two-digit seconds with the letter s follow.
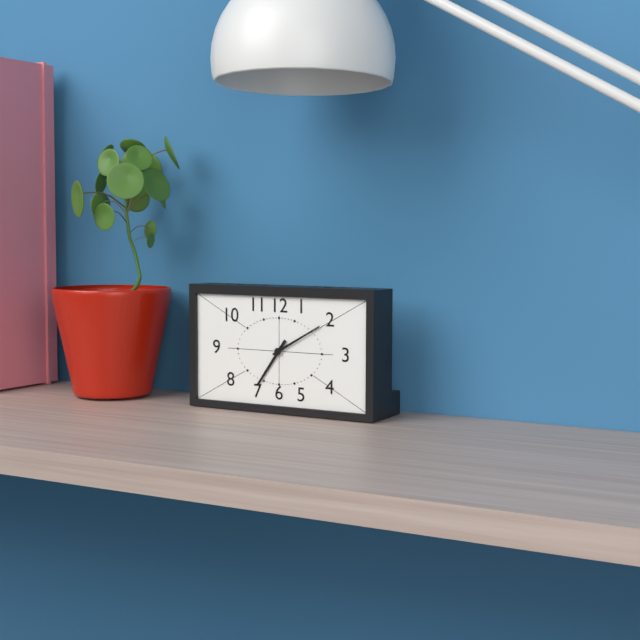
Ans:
7h10
